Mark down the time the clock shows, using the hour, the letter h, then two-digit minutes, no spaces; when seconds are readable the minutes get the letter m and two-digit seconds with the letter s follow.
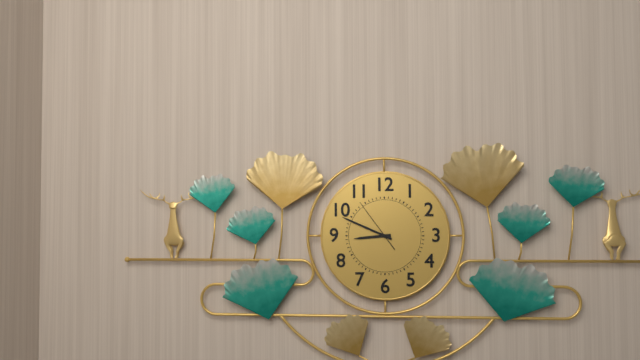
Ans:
8h49m54s
